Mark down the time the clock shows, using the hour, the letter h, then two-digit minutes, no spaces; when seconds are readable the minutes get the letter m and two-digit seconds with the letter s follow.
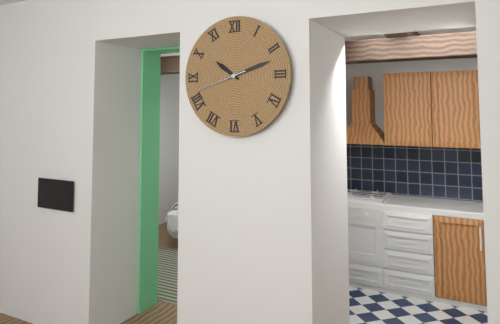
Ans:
10h12m42s
